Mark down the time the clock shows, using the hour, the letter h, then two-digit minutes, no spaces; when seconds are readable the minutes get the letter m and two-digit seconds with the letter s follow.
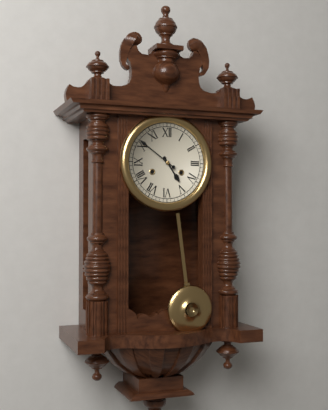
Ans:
4h51
